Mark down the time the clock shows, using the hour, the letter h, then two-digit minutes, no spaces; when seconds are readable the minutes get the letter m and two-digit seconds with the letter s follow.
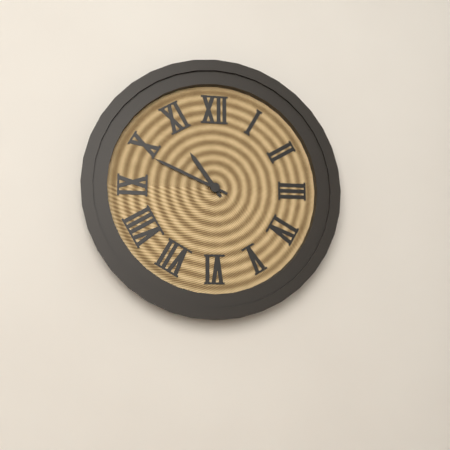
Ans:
10h49
